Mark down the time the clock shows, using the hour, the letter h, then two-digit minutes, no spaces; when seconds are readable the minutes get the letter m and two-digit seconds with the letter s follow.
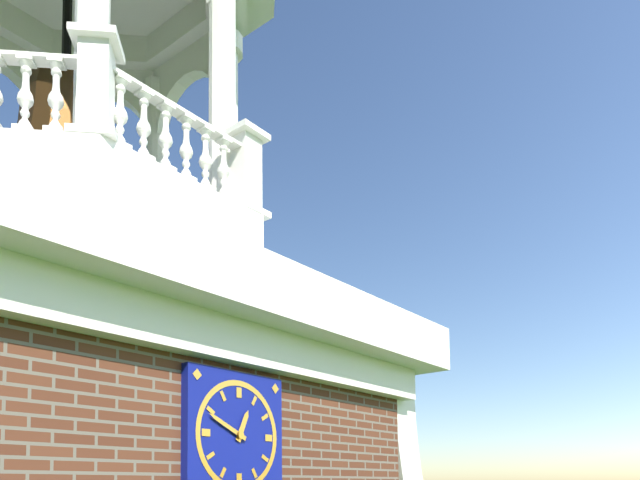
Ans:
12h49
